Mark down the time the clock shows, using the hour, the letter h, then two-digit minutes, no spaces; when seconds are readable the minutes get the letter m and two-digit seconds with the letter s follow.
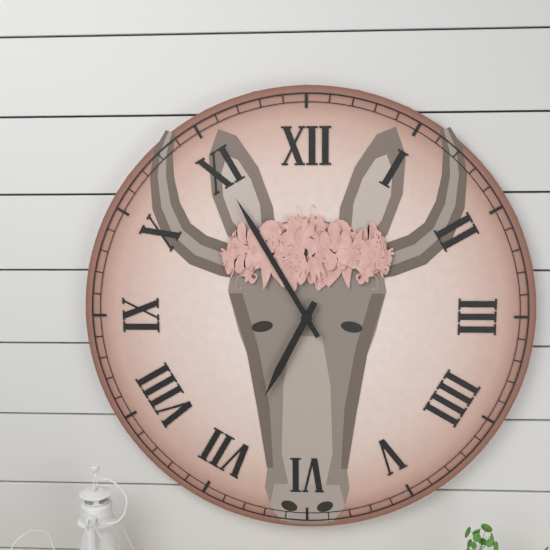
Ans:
6h55
